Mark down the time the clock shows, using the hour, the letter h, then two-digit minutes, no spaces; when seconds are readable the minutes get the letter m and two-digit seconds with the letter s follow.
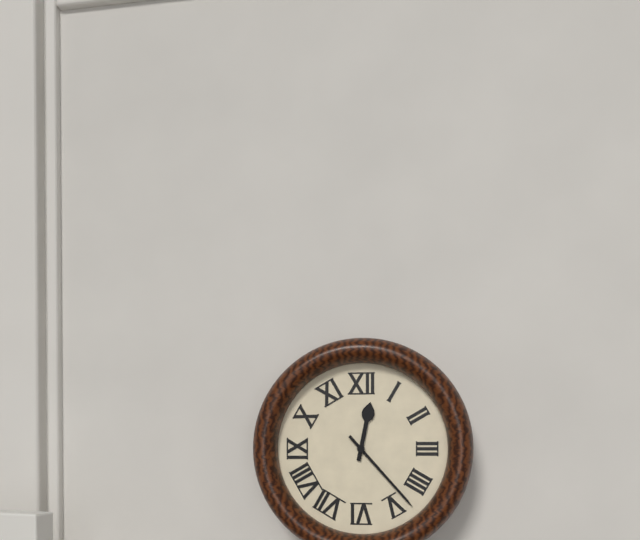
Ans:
12h23
